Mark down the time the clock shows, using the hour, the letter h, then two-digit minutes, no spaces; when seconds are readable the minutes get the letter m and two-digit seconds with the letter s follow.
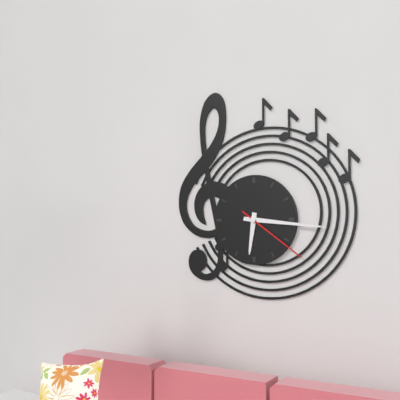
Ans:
6h16m21s
